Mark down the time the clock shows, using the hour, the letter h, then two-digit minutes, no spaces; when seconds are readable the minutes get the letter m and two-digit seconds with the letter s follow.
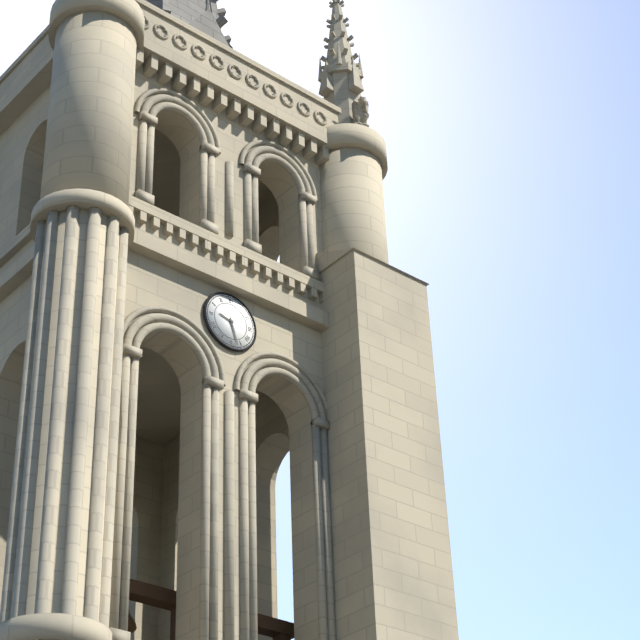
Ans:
9h27
